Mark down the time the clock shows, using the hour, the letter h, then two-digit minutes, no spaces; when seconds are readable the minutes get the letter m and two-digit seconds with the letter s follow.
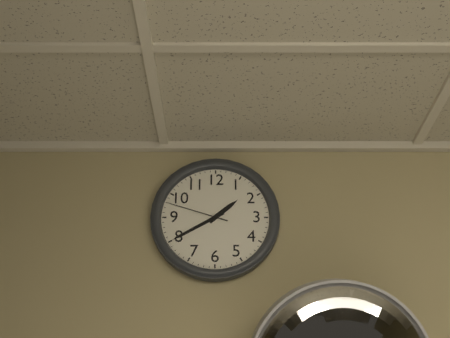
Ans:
1h40m48s
